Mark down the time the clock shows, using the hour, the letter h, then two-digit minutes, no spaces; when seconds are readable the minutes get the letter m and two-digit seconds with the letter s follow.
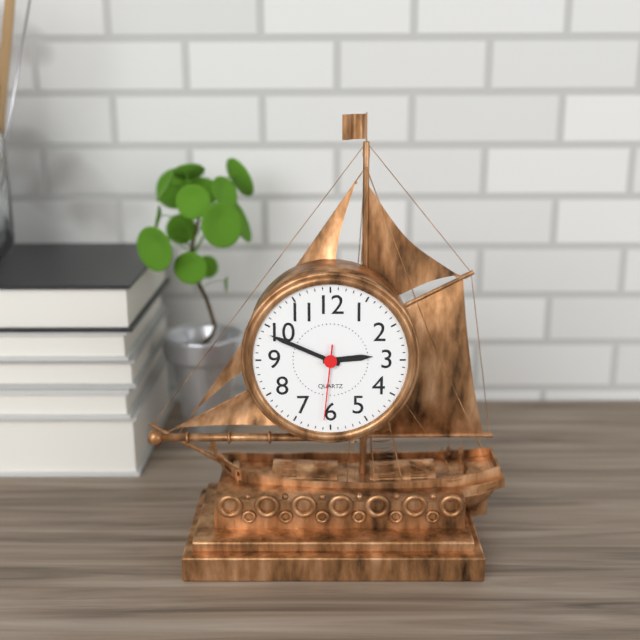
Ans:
2h49m31s
